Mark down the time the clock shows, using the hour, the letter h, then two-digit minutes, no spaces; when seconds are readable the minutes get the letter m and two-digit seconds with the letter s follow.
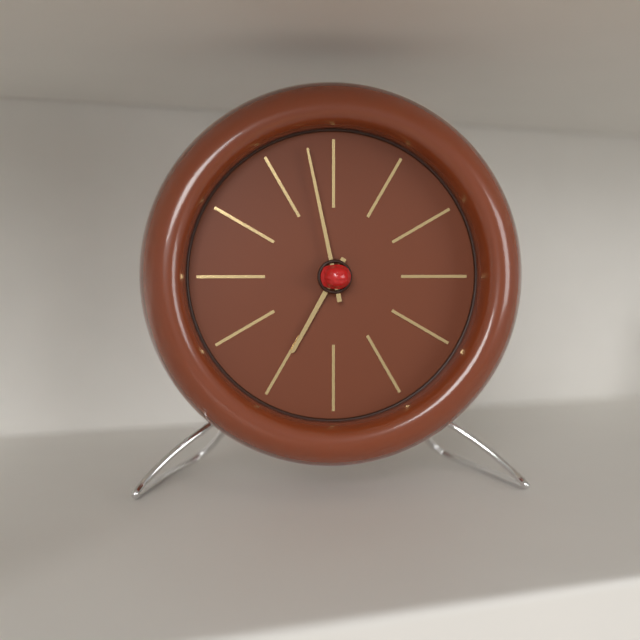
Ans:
6h58
